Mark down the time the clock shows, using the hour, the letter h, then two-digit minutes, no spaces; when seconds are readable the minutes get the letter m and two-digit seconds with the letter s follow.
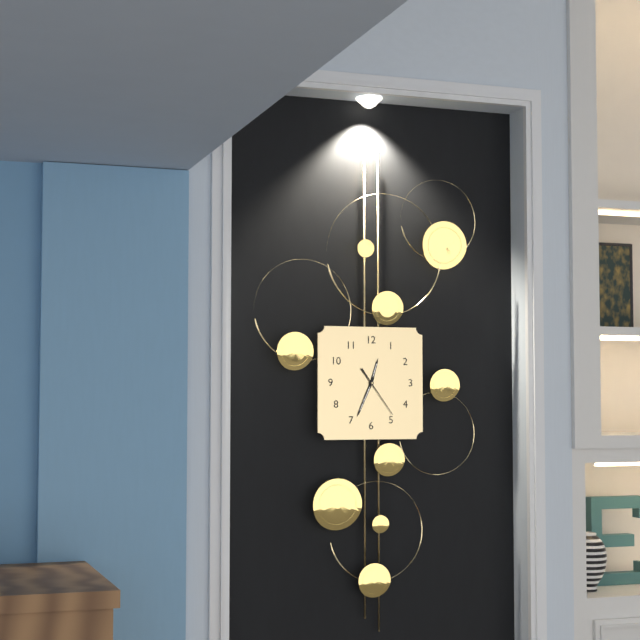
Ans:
12h34
